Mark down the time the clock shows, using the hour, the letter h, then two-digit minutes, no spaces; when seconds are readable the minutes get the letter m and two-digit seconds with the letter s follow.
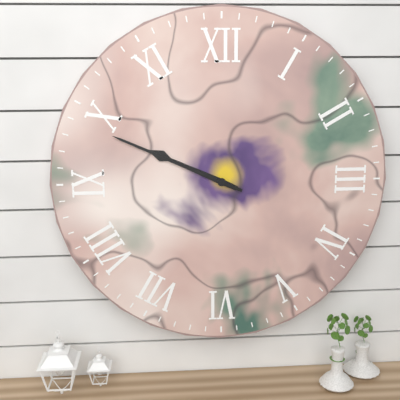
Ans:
9h49
